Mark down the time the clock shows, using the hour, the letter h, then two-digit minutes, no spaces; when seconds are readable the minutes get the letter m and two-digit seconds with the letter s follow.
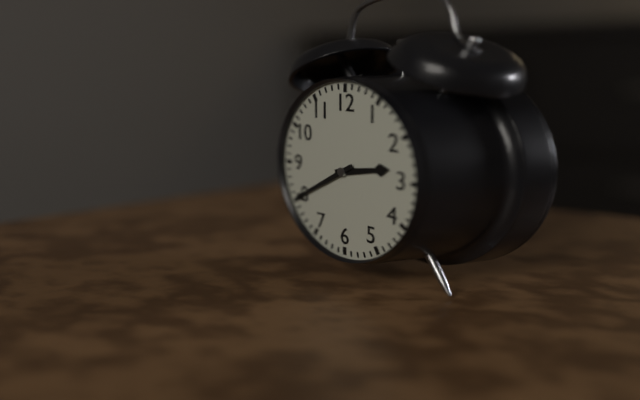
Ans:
2h40
